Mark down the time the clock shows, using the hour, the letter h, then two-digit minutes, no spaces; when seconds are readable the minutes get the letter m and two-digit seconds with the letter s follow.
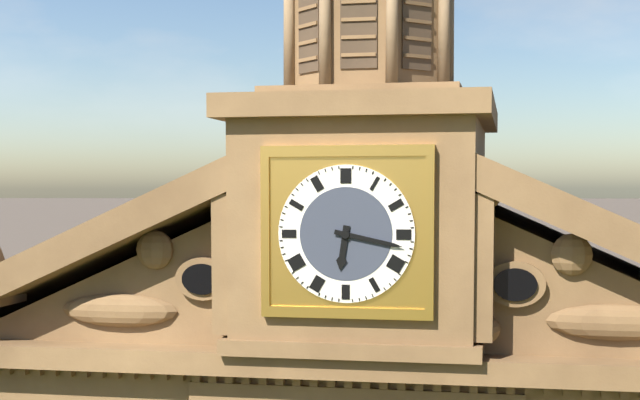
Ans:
6h17
